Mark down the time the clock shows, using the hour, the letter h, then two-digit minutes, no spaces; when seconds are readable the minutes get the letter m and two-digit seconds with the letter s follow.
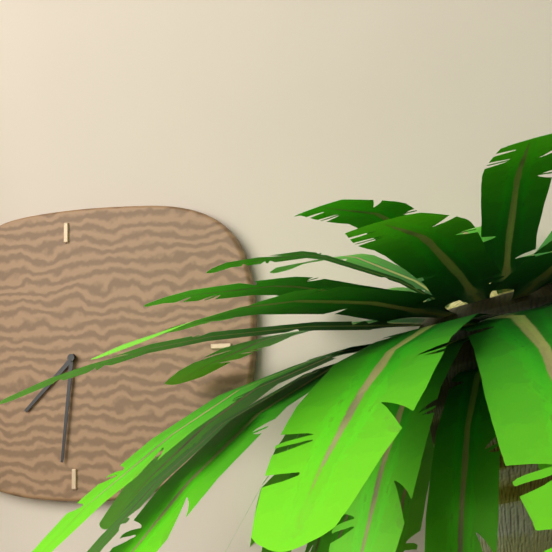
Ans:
7h31
